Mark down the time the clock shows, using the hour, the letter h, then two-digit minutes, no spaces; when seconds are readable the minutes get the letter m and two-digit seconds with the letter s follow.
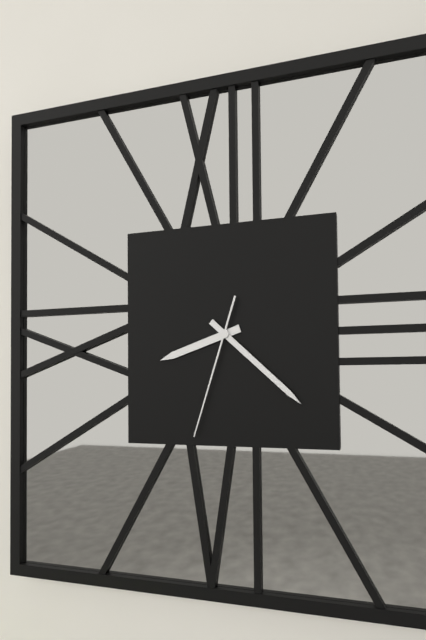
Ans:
8h22m33s
